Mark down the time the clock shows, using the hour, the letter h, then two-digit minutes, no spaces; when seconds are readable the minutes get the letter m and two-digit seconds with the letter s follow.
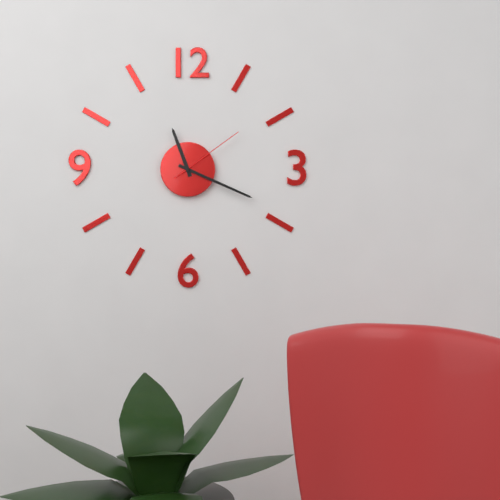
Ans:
11h19m09s
